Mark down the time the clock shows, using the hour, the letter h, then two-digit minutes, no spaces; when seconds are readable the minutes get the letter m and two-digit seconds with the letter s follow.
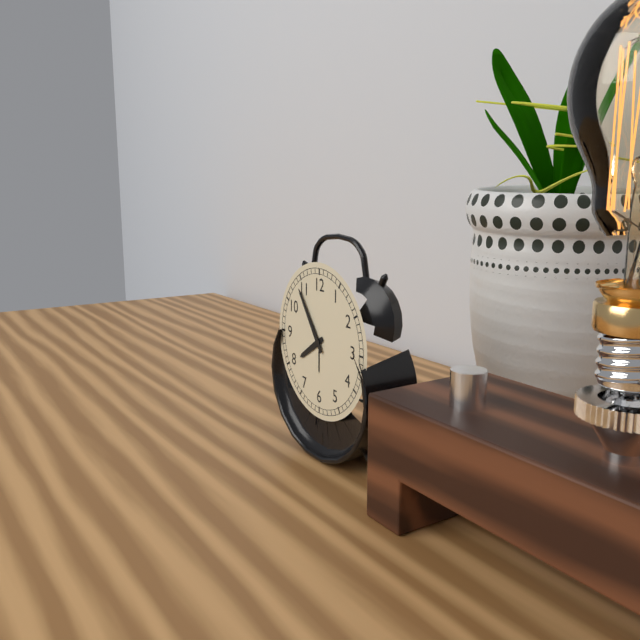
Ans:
7h54
